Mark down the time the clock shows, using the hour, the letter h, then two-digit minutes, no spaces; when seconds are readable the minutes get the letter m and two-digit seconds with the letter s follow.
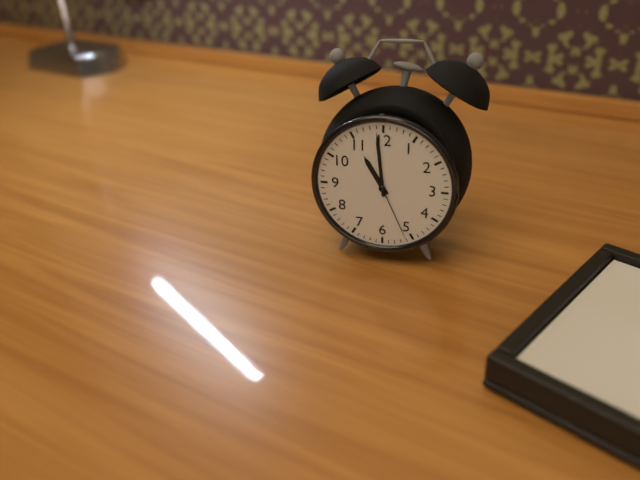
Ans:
10h59m26s
